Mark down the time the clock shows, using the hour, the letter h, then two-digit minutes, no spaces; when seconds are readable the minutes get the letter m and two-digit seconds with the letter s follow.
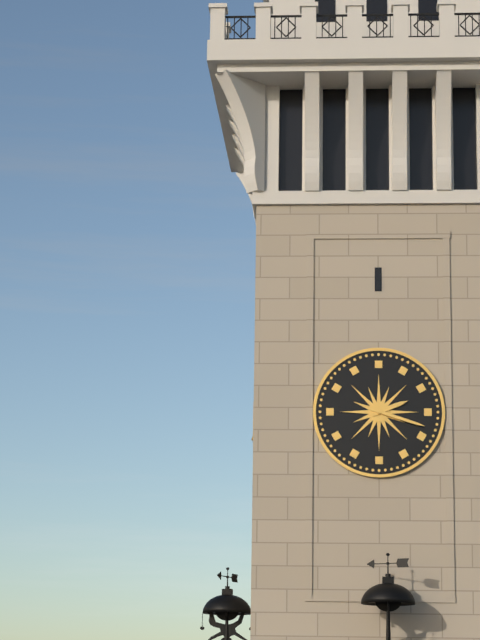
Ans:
2h18
